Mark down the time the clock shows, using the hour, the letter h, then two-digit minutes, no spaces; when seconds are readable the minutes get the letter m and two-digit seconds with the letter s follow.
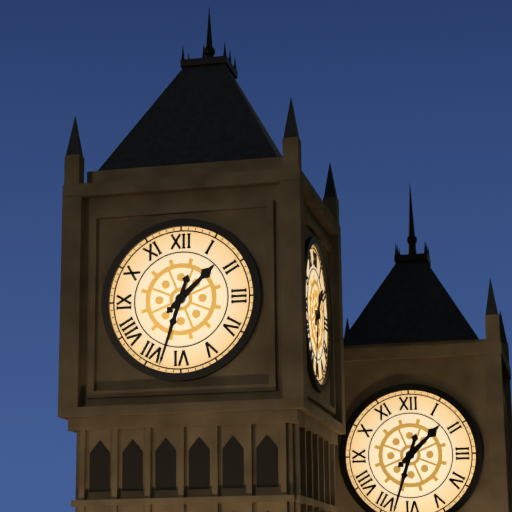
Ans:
1h33
